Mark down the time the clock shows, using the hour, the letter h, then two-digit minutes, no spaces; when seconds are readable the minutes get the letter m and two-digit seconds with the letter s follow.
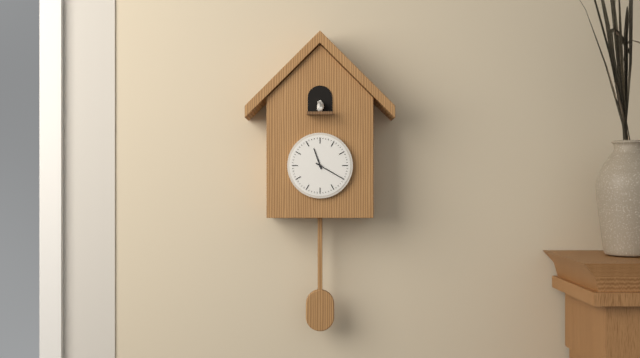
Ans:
11h20
